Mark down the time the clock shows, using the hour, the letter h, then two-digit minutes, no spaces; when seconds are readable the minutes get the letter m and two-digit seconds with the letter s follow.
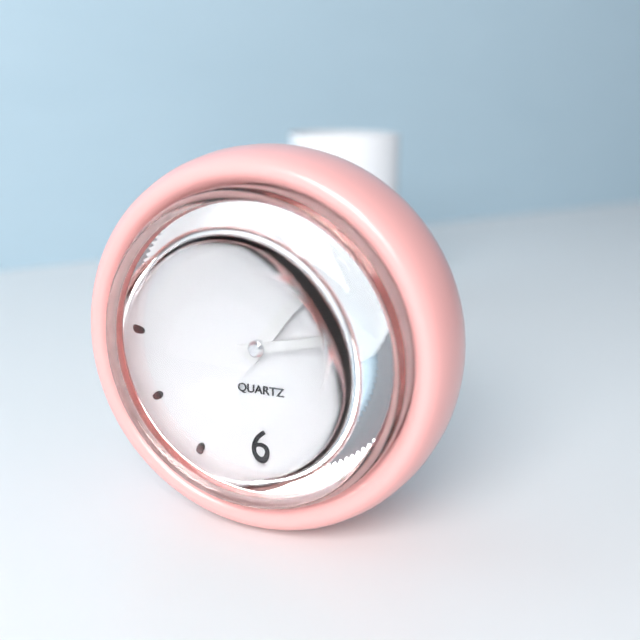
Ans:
1h13
